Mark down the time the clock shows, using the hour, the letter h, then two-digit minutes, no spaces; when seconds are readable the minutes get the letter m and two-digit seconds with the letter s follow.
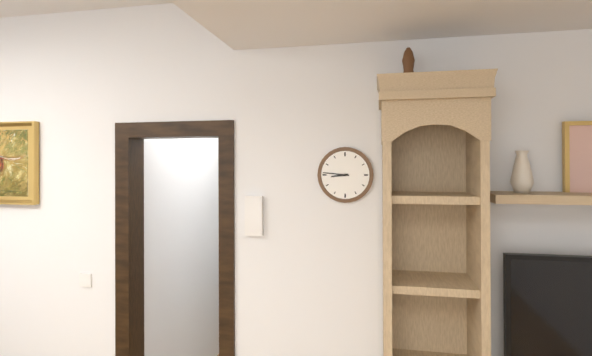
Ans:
8h46
